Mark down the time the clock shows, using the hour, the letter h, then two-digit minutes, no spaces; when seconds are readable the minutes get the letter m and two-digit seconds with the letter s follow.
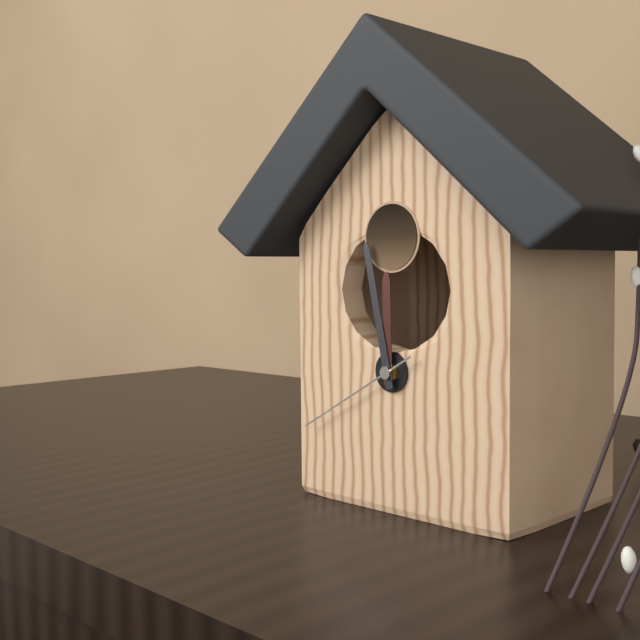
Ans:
11h58m40s
